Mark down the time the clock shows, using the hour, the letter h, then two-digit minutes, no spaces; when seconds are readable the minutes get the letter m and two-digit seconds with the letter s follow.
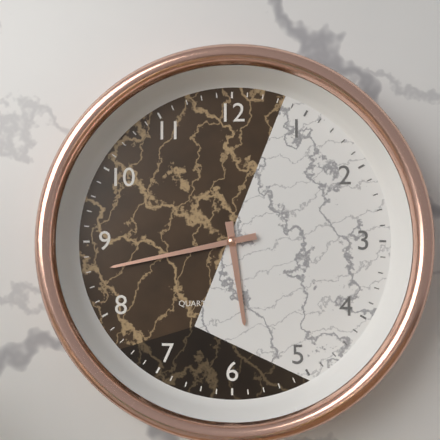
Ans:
5h43
